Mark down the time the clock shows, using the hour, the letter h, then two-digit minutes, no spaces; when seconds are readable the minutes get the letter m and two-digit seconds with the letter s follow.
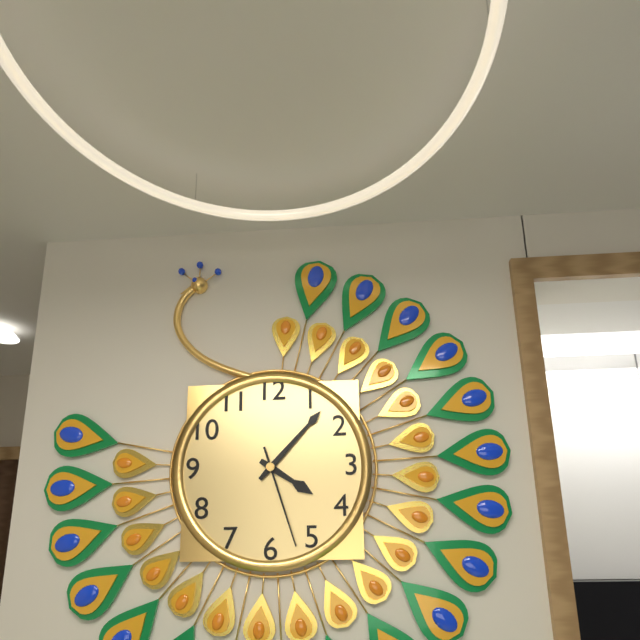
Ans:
4h07m27s
